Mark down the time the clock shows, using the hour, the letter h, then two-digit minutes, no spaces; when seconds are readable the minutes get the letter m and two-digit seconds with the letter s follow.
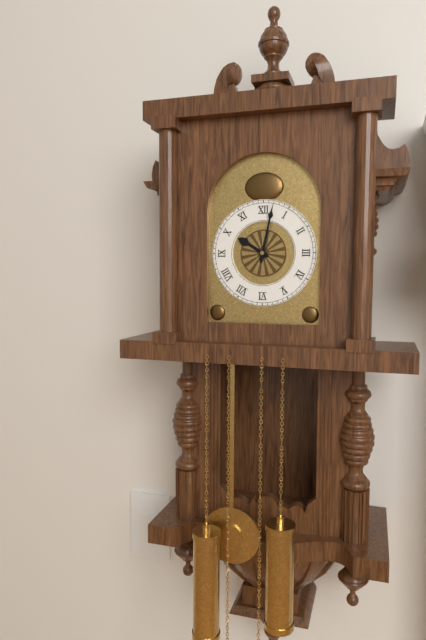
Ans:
10h02
